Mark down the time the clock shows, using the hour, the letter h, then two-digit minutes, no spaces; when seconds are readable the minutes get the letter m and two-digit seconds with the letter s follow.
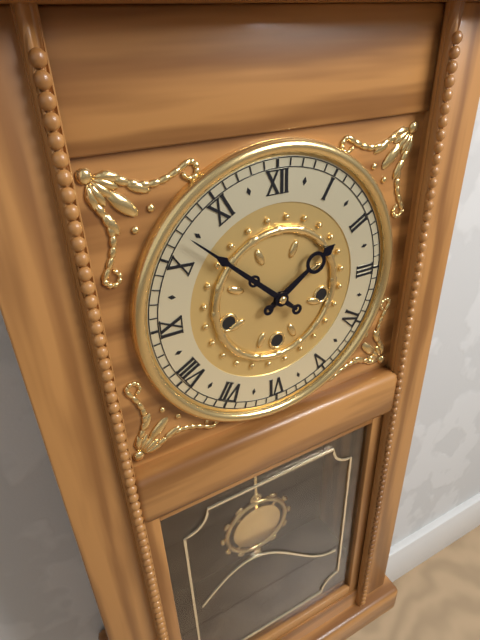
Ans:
1h52
